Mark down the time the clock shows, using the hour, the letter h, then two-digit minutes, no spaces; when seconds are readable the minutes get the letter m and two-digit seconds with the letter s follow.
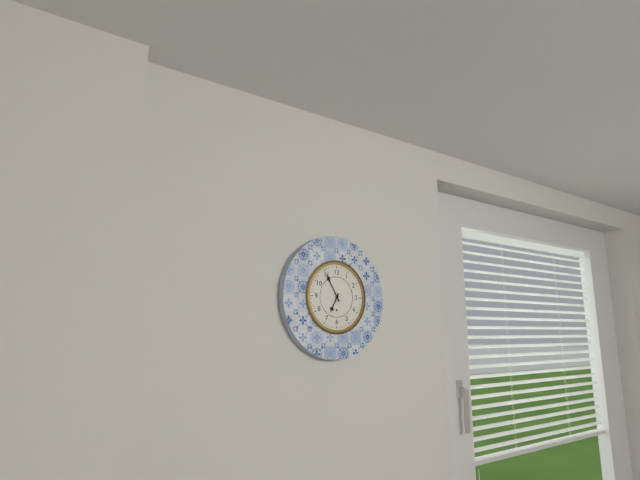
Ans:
6h55
